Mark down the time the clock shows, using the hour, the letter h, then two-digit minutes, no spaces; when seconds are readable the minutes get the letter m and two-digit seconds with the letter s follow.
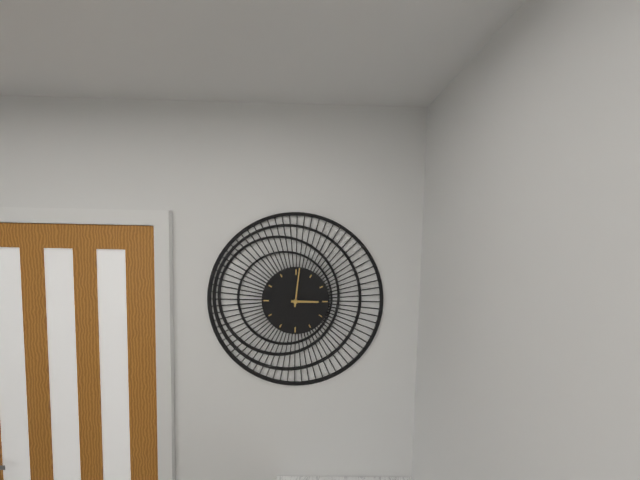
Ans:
3h01
